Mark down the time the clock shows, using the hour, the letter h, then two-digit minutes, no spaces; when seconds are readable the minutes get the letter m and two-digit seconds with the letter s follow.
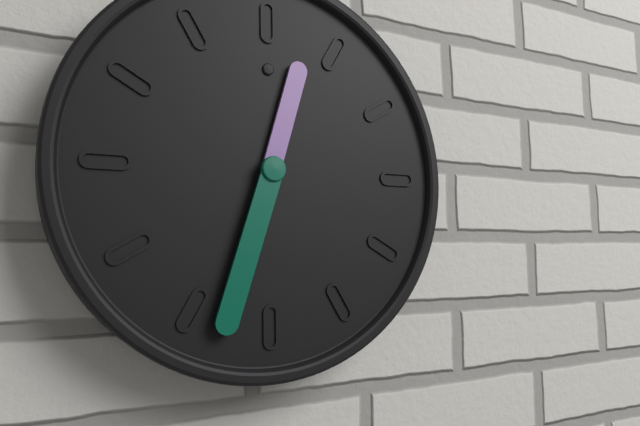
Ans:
12h33
